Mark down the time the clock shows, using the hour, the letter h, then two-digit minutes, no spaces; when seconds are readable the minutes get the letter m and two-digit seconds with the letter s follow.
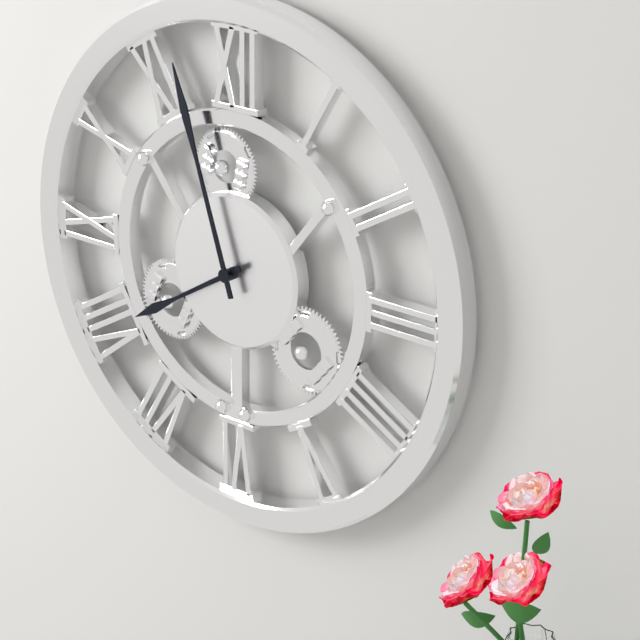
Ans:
7h57
